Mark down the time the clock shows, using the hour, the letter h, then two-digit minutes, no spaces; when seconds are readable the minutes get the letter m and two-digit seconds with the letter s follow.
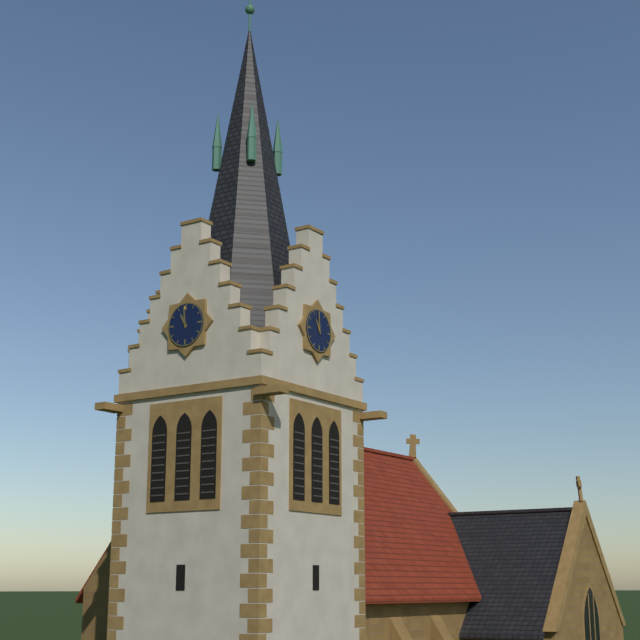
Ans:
10h59
